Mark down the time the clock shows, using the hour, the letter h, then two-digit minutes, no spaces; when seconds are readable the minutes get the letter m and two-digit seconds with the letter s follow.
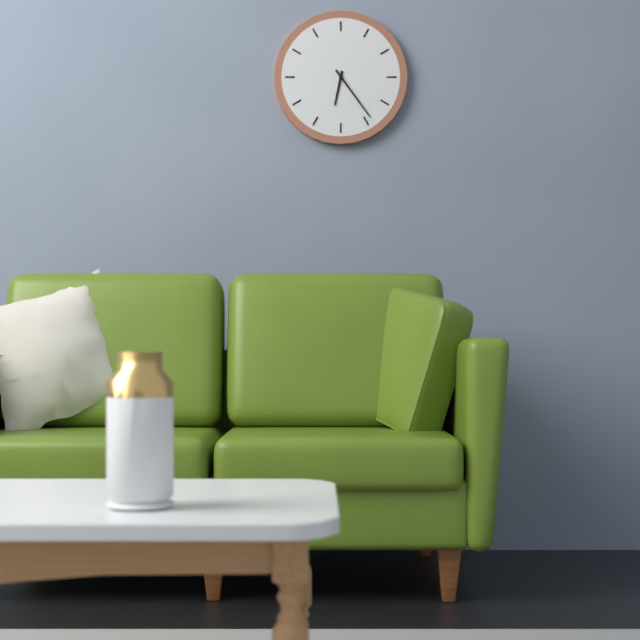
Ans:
6h24
